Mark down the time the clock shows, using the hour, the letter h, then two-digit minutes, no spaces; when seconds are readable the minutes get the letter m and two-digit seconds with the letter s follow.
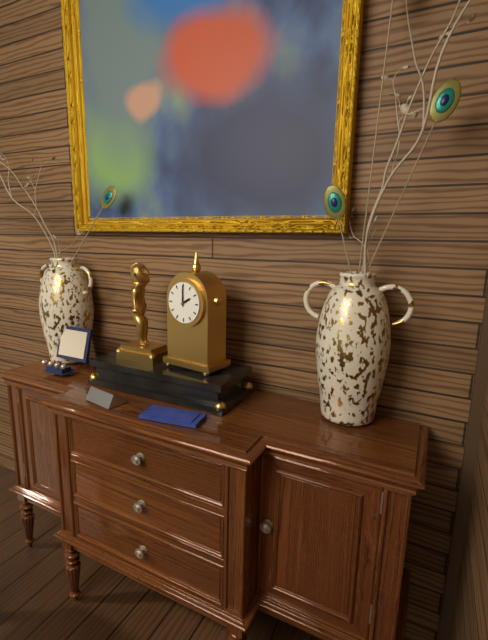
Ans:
2h00
